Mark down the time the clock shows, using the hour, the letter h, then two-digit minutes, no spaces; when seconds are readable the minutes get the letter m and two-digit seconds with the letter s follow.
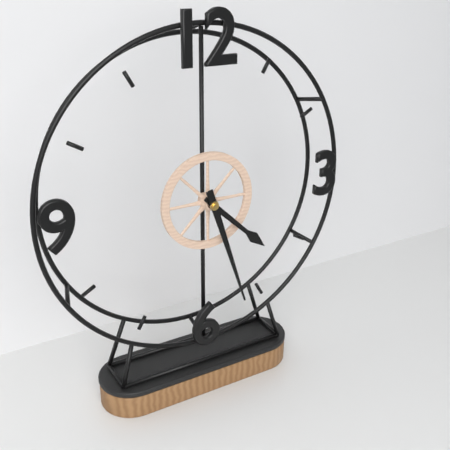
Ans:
4h27
